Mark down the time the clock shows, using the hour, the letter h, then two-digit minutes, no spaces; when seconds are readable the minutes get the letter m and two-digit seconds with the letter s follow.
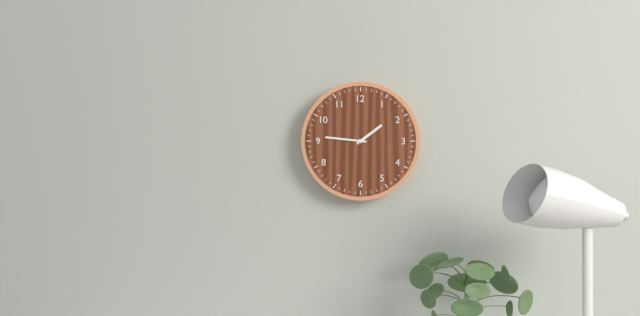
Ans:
1h46
